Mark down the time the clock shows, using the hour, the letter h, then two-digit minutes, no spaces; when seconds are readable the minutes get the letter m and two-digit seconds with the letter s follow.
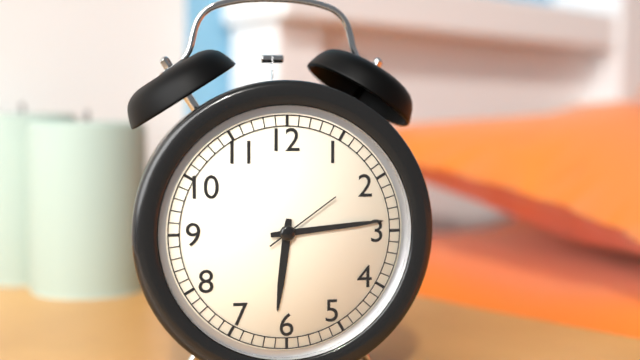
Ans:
6h14m09s
